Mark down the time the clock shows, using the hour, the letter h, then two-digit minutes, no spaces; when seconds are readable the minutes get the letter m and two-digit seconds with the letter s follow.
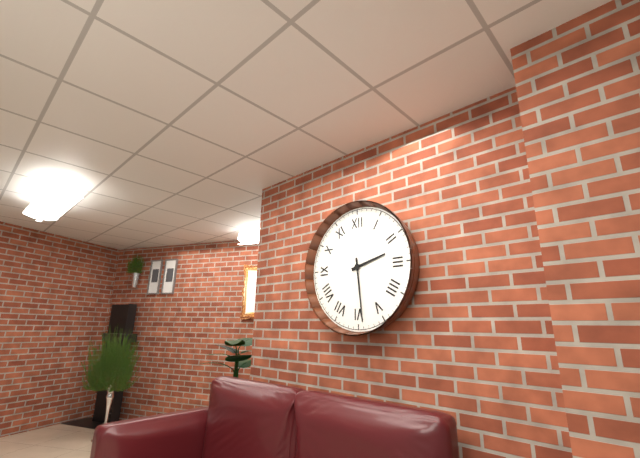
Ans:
2h29
